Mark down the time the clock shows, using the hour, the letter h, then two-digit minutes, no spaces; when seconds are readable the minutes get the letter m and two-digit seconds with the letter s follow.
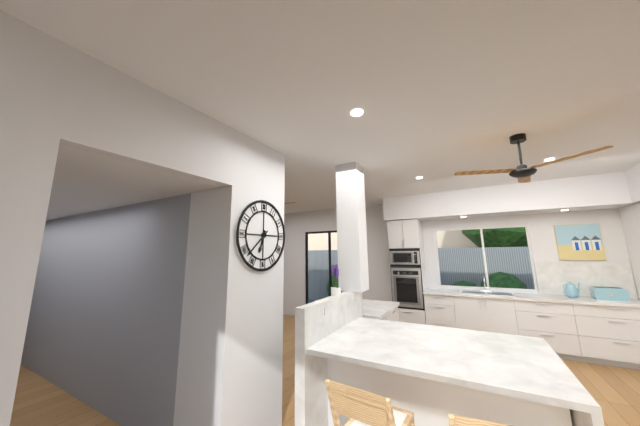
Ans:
6h38
